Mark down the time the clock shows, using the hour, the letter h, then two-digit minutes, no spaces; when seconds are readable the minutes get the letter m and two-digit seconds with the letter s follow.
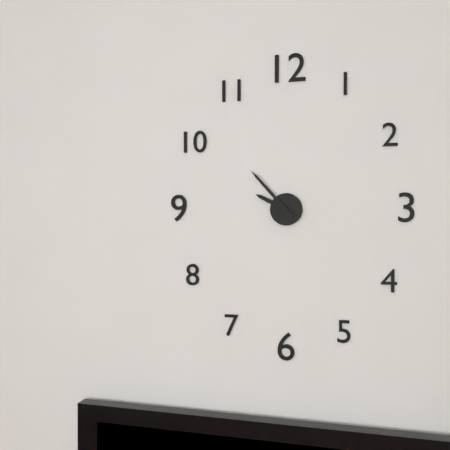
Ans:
9h53
